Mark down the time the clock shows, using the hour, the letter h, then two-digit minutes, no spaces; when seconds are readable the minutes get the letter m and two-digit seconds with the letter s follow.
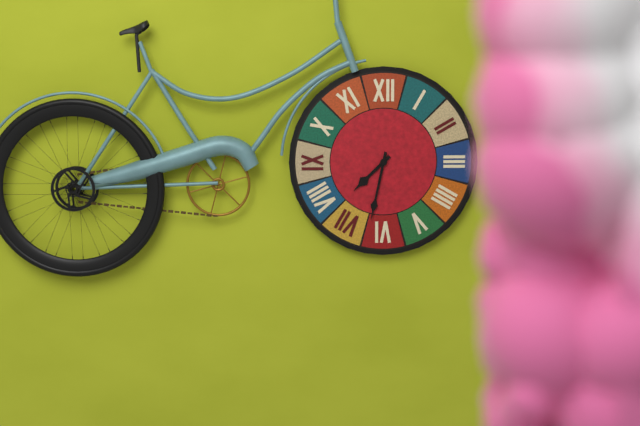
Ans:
7h32
